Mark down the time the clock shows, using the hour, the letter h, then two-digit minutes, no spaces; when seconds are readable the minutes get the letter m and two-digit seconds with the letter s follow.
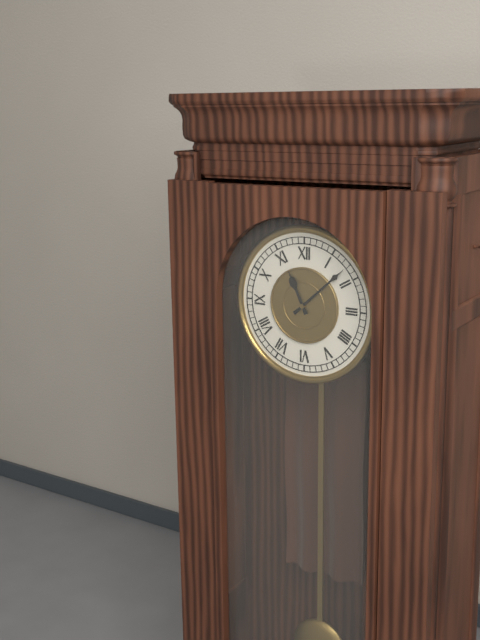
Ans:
11h08
